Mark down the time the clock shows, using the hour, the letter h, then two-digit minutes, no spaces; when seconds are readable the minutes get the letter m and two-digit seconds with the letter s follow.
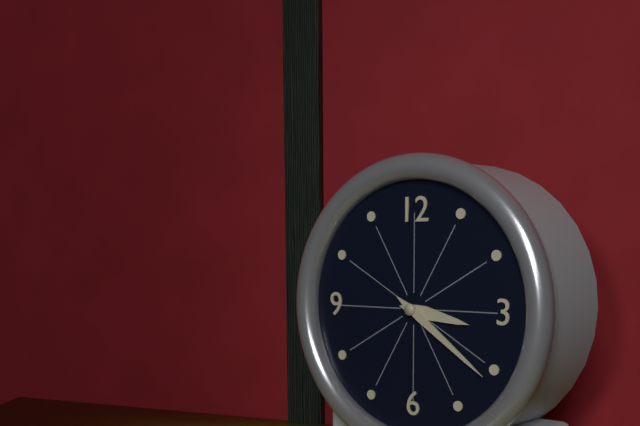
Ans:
3h21
